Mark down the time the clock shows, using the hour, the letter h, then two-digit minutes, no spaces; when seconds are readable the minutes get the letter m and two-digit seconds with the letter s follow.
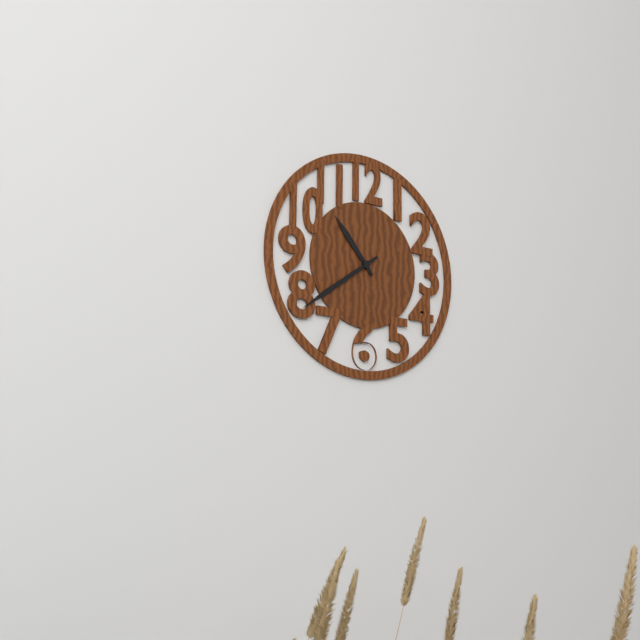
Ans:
10h39
